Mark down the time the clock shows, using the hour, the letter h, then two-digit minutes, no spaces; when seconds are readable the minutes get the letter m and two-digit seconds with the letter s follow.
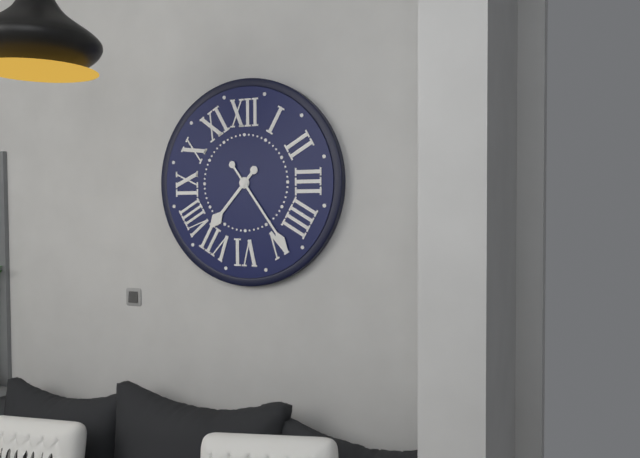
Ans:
7h24
